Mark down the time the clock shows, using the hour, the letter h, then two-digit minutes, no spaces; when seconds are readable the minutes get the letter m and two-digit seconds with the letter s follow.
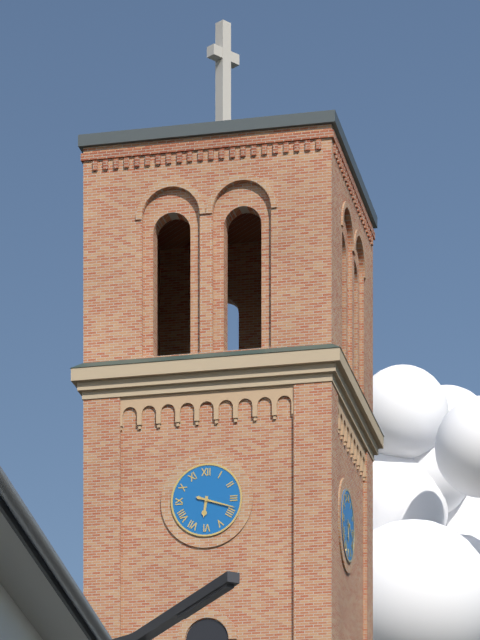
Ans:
6h18
